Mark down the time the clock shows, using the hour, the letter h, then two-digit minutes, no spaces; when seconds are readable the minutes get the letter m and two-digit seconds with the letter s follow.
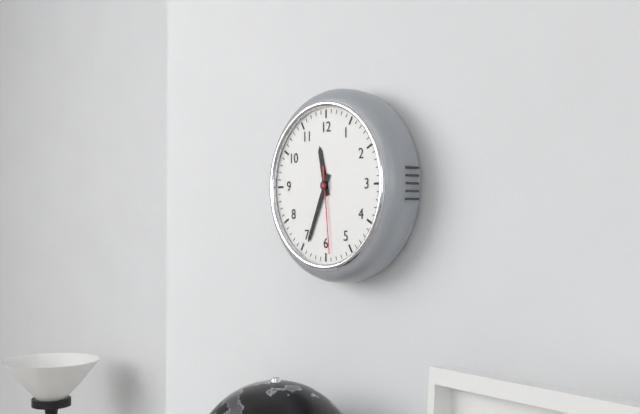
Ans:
11h34m29s
